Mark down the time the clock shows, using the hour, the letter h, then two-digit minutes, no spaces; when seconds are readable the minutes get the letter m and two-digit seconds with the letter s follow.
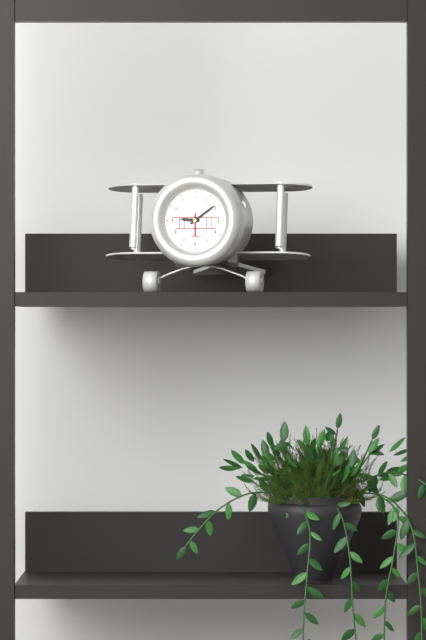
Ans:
9h09
